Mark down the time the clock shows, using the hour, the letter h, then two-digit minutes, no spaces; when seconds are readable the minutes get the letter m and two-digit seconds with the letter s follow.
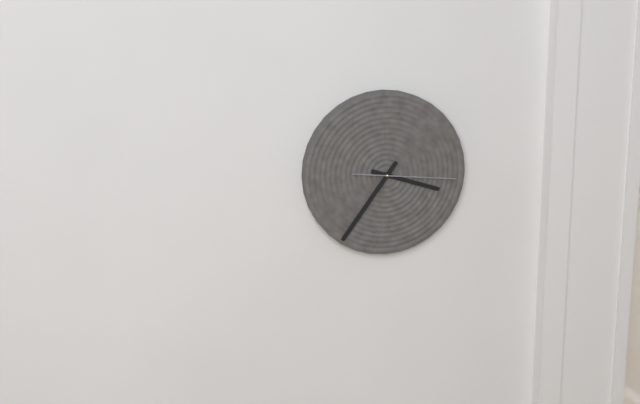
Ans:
3h36m16s
